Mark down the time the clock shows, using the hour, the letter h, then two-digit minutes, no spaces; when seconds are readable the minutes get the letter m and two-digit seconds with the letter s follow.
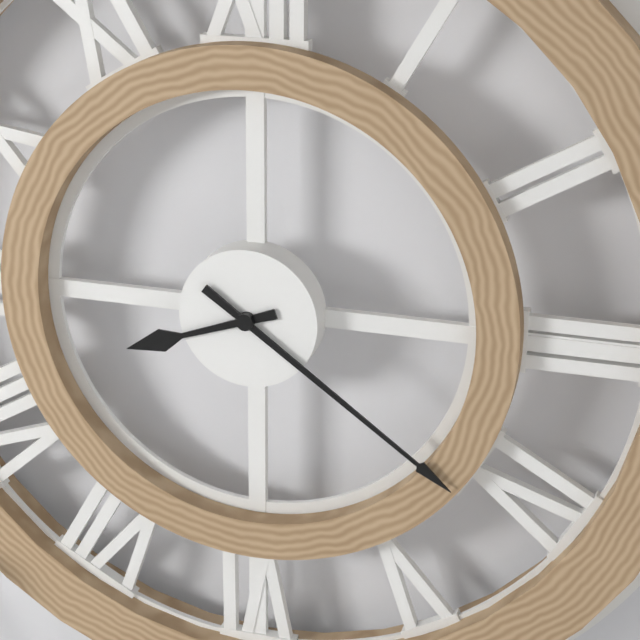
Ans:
8h21
